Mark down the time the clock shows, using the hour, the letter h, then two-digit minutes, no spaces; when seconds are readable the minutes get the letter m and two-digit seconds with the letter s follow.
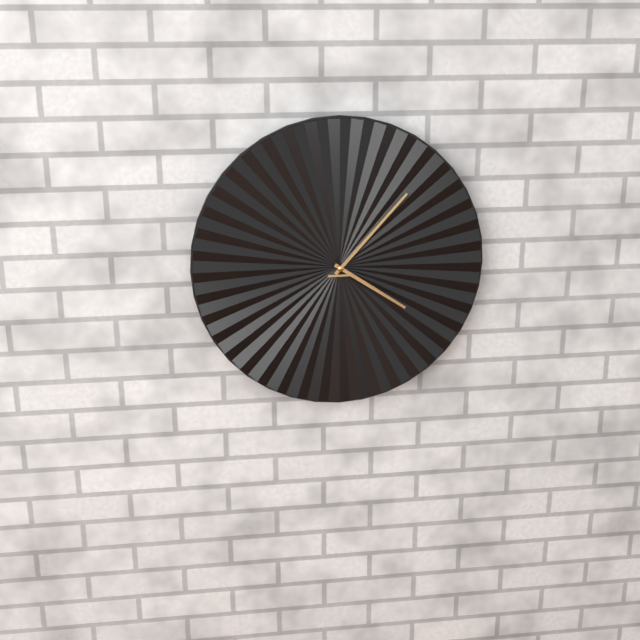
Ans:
4h07
